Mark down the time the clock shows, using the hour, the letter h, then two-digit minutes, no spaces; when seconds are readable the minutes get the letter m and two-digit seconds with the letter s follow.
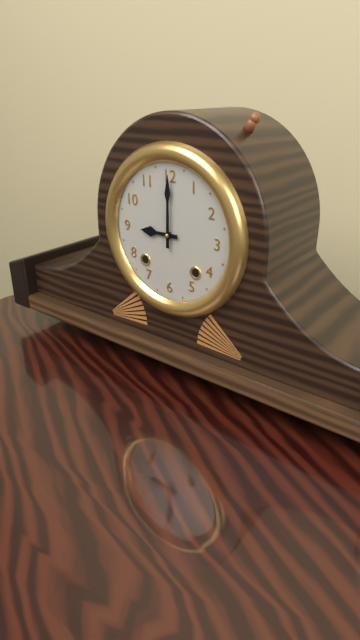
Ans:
9h00
